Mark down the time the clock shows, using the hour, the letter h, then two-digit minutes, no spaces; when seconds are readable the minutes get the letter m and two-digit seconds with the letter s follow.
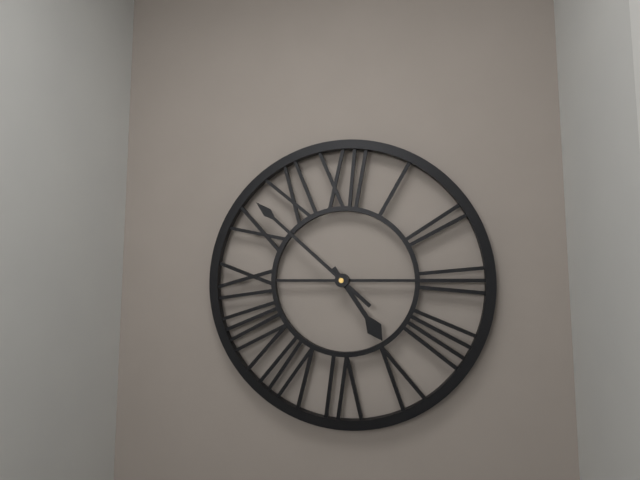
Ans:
4h52
